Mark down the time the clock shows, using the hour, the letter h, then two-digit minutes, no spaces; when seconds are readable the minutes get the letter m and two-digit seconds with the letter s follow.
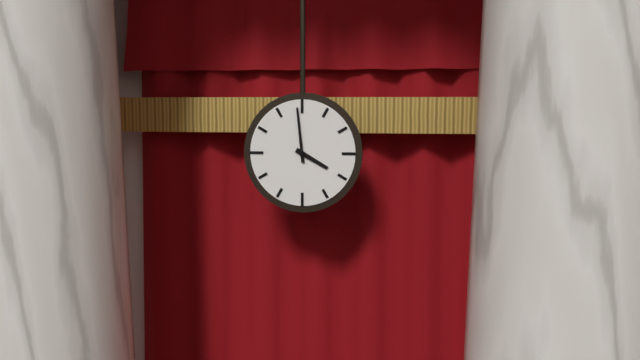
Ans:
3h59
